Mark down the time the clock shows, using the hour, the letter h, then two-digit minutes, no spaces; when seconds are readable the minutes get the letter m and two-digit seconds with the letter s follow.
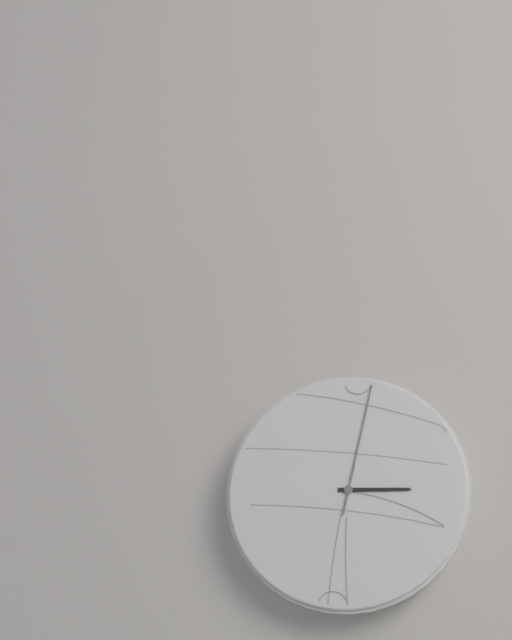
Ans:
3h02
